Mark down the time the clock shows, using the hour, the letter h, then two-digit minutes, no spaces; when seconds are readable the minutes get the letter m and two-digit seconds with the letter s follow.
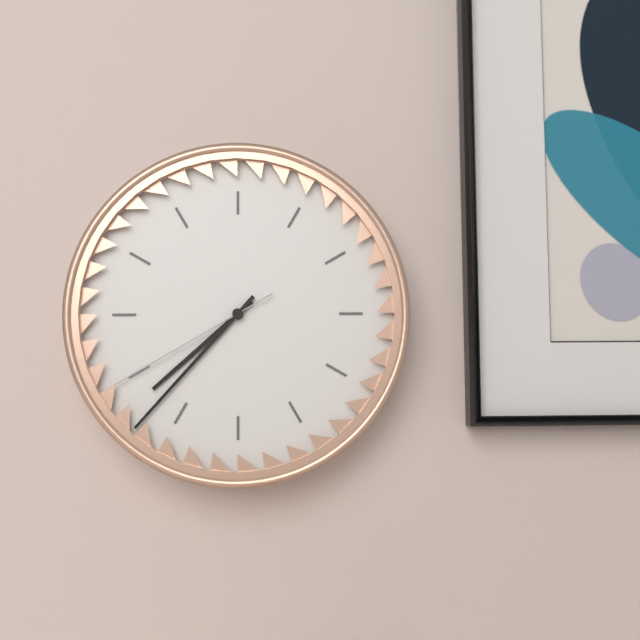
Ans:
7h37m40s
